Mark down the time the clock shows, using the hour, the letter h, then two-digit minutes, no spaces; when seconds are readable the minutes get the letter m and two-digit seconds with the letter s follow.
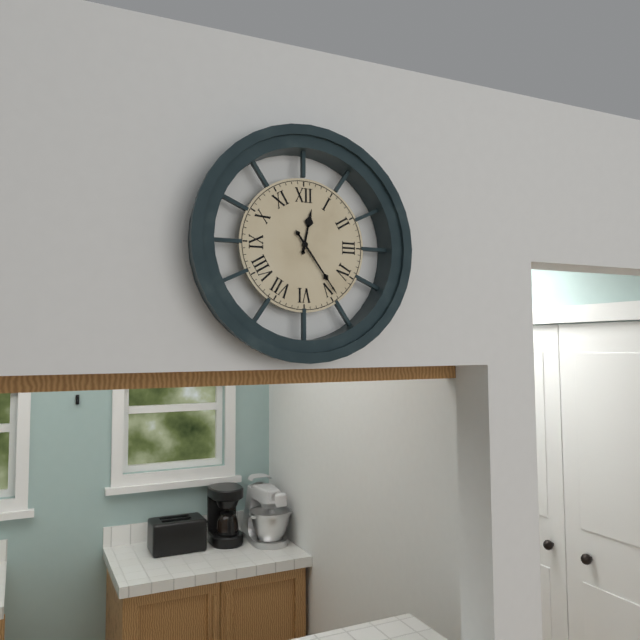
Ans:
12h24
